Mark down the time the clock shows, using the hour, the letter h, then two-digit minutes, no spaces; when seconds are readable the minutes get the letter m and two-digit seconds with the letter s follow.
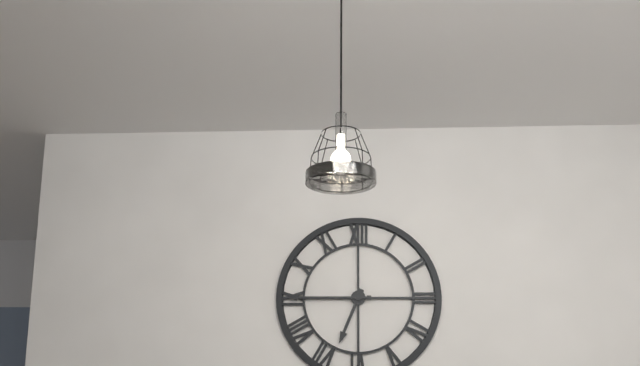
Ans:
6h45
